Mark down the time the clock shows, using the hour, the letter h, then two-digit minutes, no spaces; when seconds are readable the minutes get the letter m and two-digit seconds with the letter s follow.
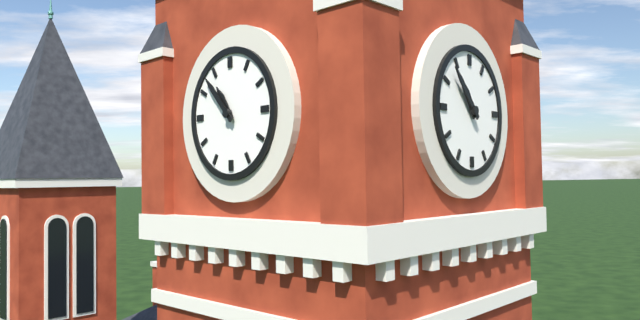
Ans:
10h53
